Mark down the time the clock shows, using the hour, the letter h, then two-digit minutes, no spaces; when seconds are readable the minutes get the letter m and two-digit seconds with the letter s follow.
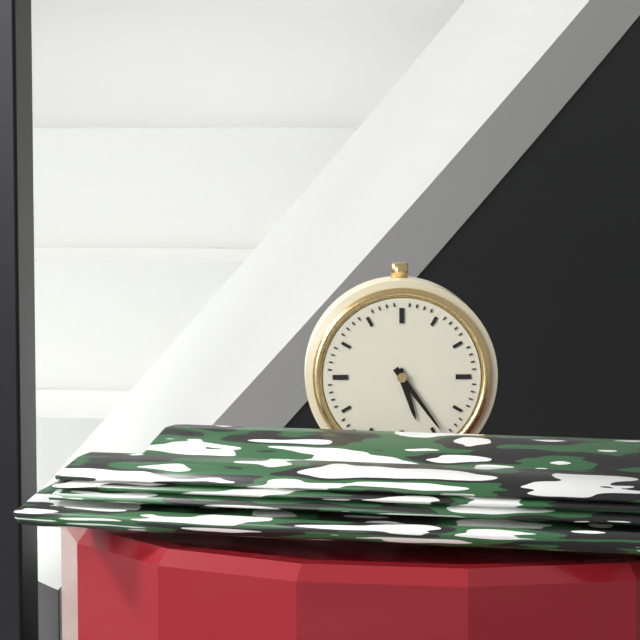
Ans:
5h24
